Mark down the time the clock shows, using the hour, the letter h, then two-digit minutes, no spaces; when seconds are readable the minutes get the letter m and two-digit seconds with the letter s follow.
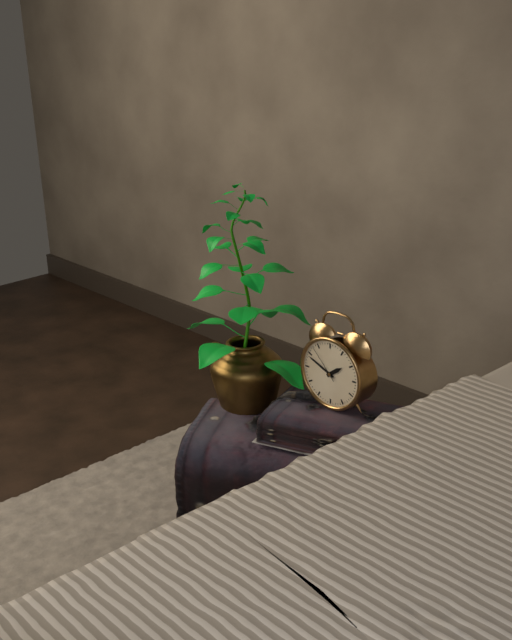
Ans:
1h49
